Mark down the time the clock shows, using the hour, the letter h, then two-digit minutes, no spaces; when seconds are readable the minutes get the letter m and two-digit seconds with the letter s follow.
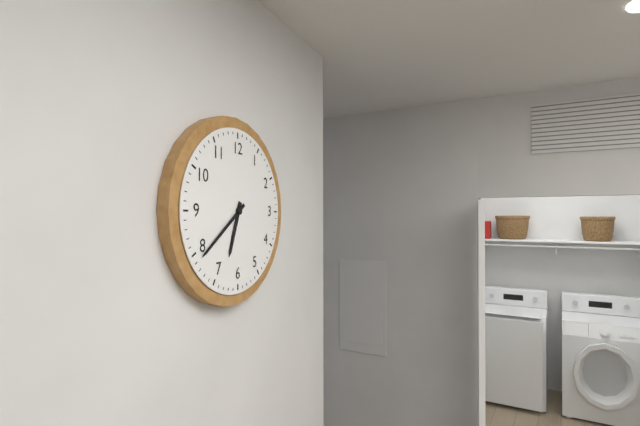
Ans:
6h39
